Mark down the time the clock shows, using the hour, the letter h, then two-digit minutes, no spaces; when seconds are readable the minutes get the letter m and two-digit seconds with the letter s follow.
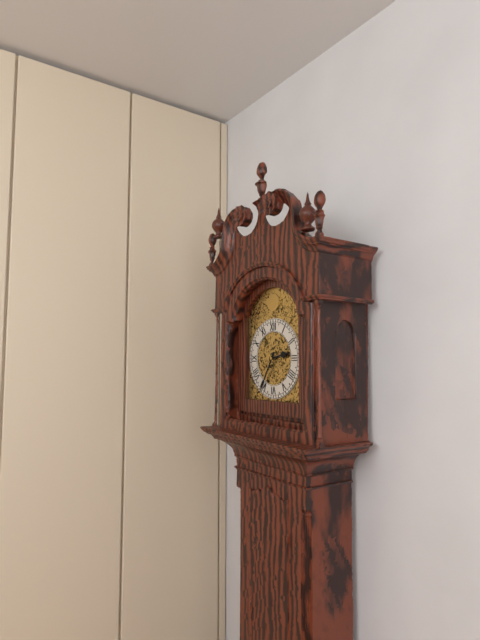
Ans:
2h35
